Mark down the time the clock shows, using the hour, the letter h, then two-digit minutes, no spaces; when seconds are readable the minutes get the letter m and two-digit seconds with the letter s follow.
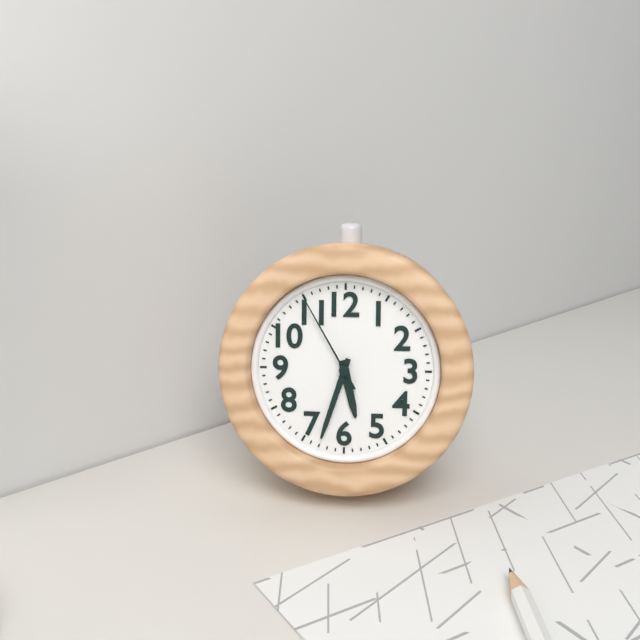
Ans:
5h33m55s
